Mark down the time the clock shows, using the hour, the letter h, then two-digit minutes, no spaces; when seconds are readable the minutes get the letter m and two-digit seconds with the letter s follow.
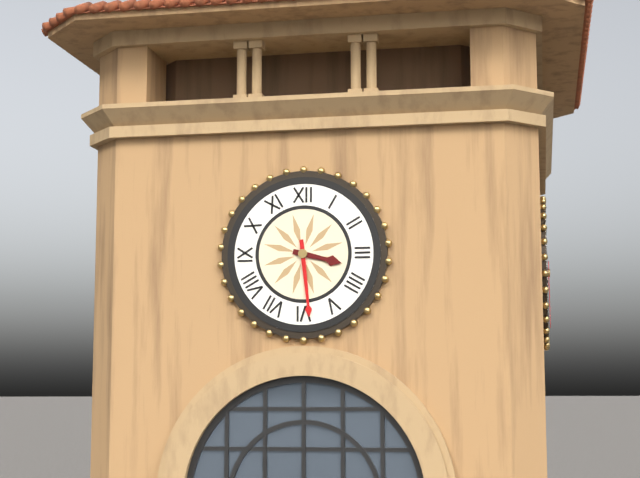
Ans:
3h29
